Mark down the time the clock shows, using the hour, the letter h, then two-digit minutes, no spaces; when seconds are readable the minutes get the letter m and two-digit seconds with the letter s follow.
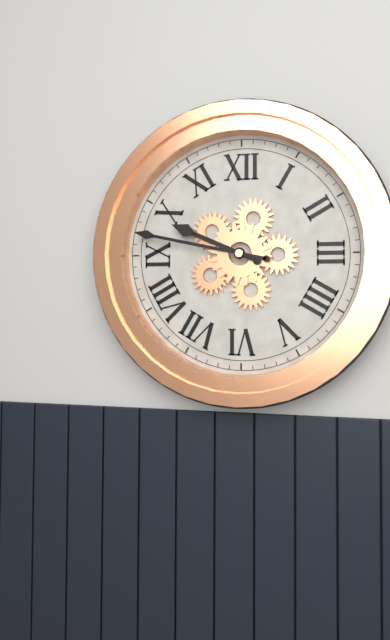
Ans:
9h47
